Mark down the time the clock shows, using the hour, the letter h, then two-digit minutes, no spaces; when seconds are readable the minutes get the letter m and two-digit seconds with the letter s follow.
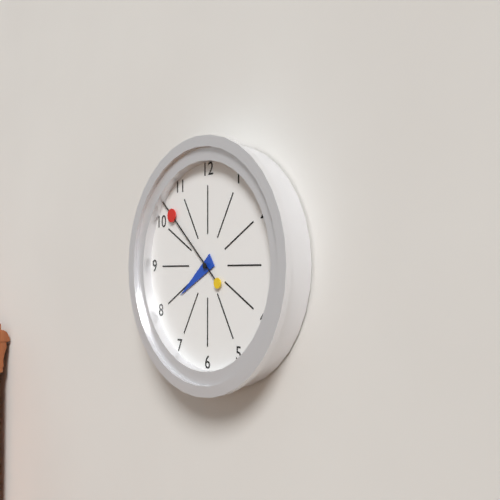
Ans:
7h52
